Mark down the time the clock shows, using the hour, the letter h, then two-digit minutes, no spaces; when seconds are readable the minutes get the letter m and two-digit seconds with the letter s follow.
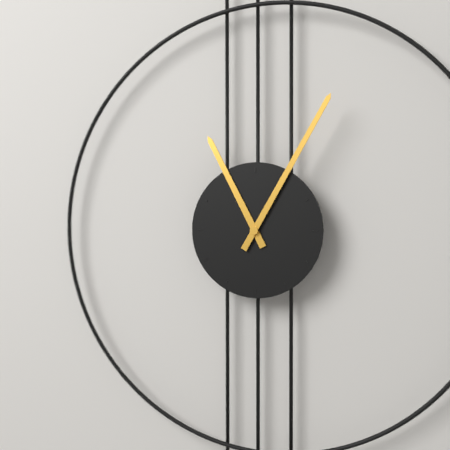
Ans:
11h05
